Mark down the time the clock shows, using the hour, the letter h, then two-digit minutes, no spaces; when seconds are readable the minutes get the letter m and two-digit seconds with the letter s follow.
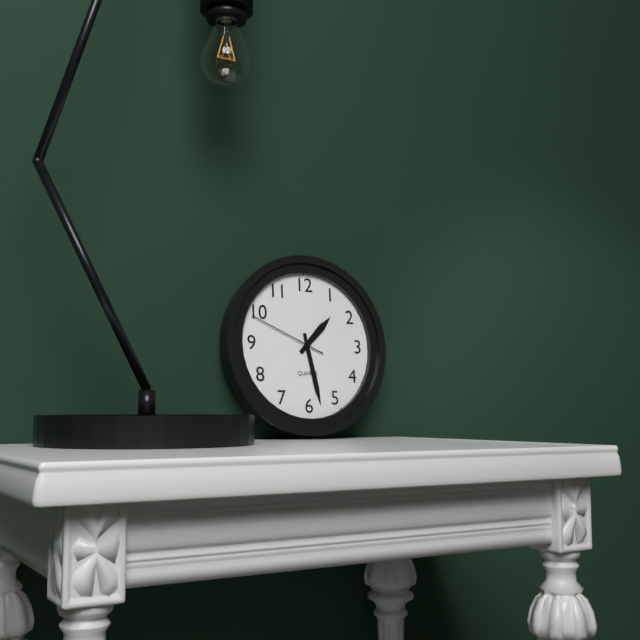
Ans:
1h28m49s
